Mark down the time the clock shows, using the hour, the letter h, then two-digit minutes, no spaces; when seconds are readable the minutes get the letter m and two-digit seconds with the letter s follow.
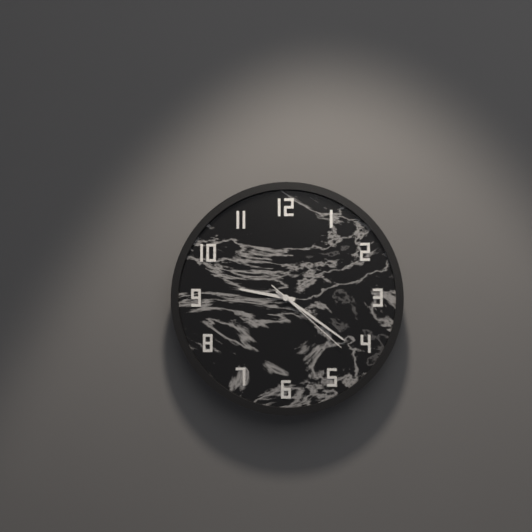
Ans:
9h21m22s
